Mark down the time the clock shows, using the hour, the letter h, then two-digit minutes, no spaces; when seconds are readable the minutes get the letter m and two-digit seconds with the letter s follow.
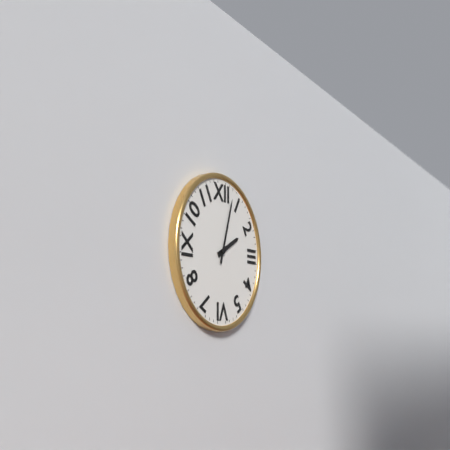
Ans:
2h03
